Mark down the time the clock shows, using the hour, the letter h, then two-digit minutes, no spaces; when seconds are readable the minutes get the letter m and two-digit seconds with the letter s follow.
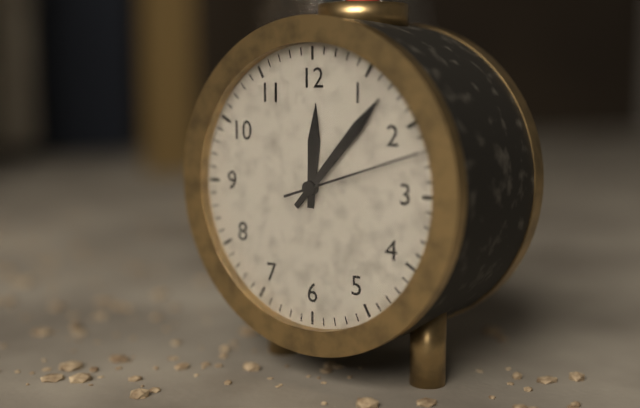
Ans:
12h07m12s
